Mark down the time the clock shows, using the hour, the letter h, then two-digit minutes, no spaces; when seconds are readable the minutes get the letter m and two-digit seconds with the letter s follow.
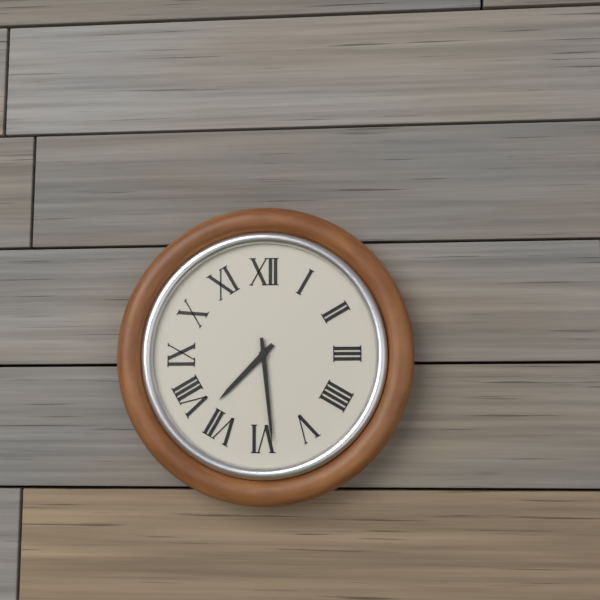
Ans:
7h29
